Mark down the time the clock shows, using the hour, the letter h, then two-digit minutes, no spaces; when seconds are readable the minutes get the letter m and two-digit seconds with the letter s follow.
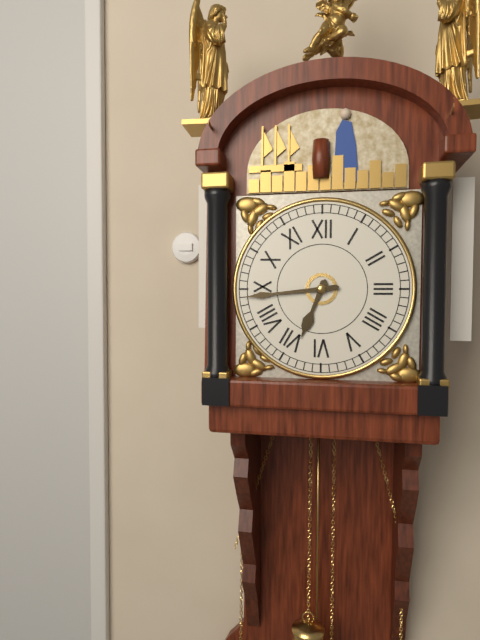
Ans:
6h44
